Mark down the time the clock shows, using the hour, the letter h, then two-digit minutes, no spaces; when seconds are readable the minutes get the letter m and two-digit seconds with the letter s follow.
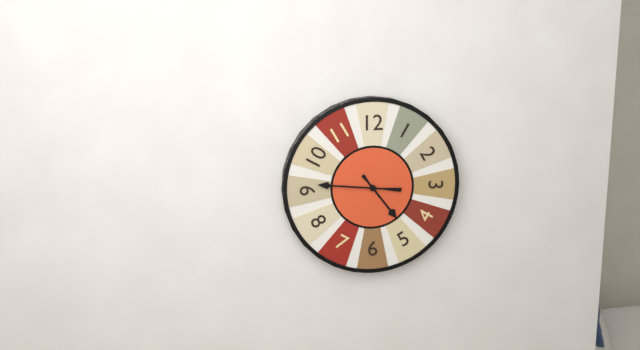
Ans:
4h46
